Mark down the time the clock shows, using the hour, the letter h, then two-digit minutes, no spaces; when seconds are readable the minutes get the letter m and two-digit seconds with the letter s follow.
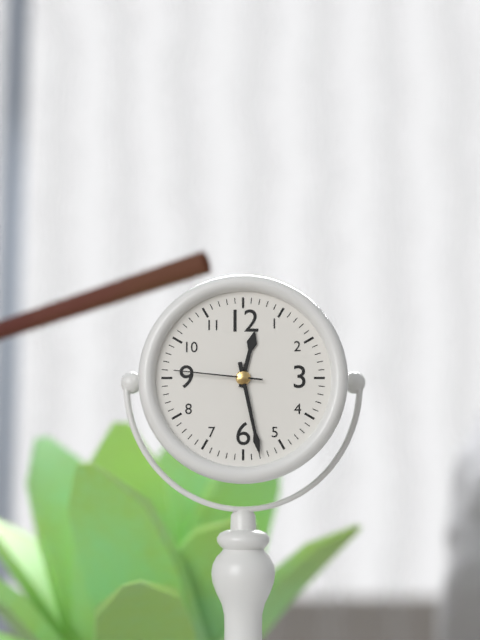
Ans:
12h28m46s
